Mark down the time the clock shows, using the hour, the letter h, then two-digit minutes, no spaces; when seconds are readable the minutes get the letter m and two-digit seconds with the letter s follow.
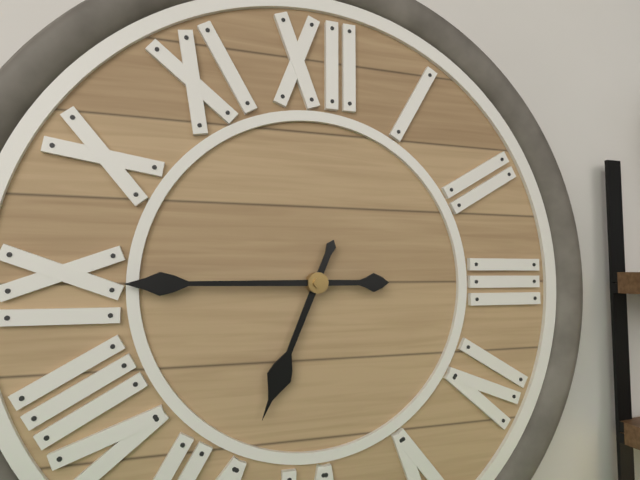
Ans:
6h45
